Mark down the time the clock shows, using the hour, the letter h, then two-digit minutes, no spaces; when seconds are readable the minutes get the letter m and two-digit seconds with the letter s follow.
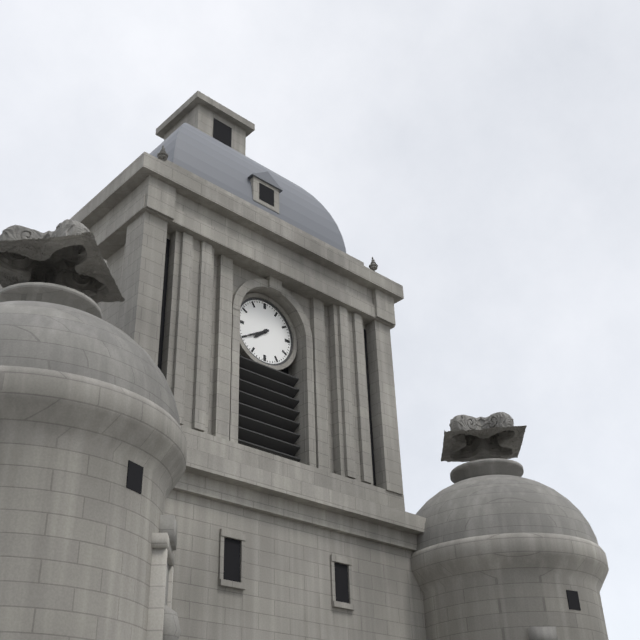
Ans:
7h40
